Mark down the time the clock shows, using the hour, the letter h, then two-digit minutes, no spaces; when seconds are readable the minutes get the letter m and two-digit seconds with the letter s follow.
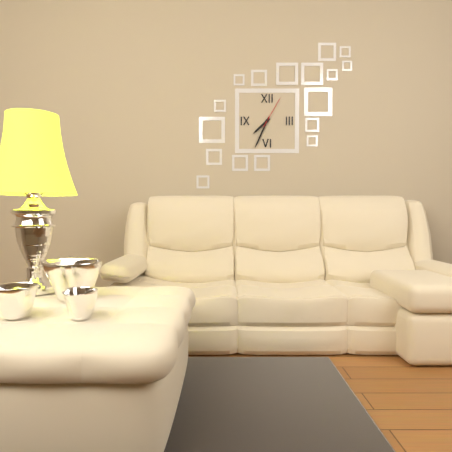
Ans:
7h34
